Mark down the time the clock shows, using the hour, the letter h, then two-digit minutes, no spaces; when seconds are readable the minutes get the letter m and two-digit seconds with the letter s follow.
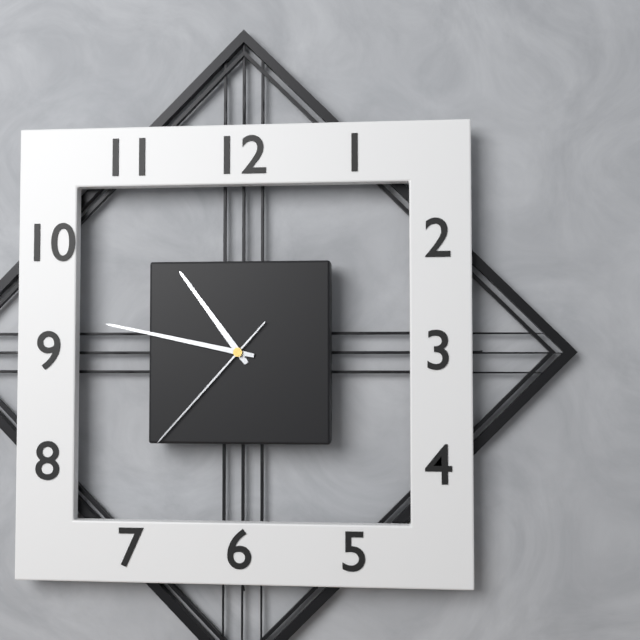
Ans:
10h47m37s
